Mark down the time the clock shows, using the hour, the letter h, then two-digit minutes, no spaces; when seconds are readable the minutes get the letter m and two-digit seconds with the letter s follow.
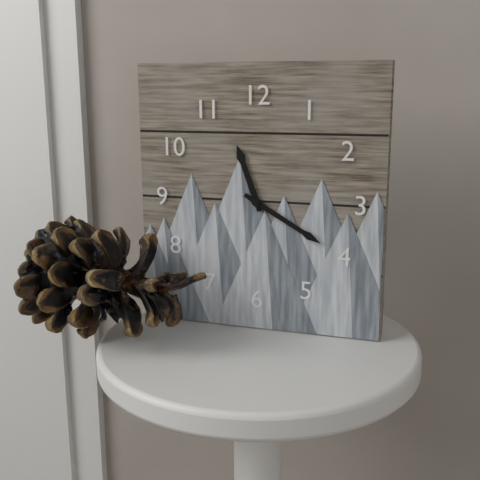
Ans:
11h20
